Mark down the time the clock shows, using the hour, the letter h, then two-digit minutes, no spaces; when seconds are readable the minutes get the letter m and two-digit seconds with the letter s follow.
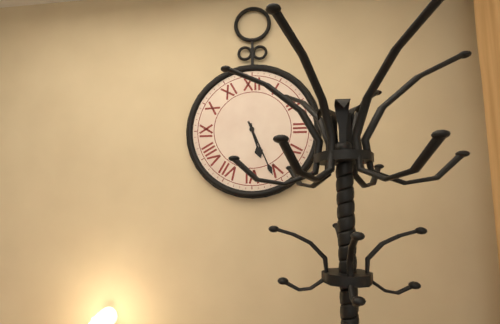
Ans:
5h26
